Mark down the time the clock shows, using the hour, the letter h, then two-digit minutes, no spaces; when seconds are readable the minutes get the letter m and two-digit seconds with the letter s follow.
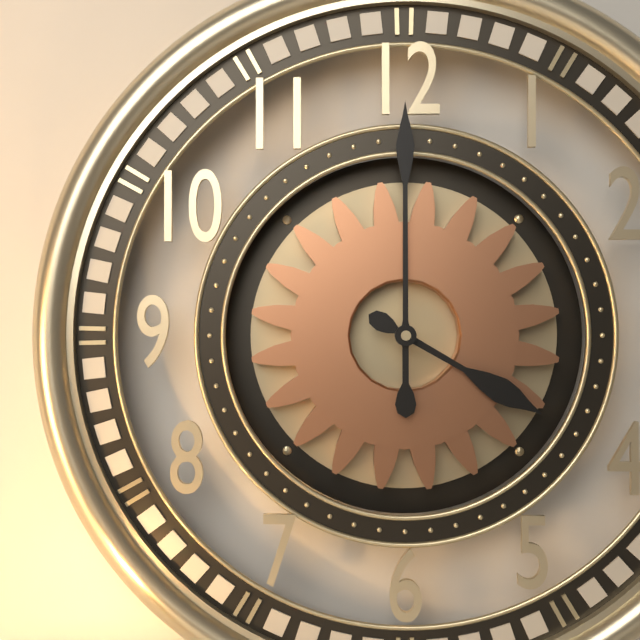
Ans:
4h00
